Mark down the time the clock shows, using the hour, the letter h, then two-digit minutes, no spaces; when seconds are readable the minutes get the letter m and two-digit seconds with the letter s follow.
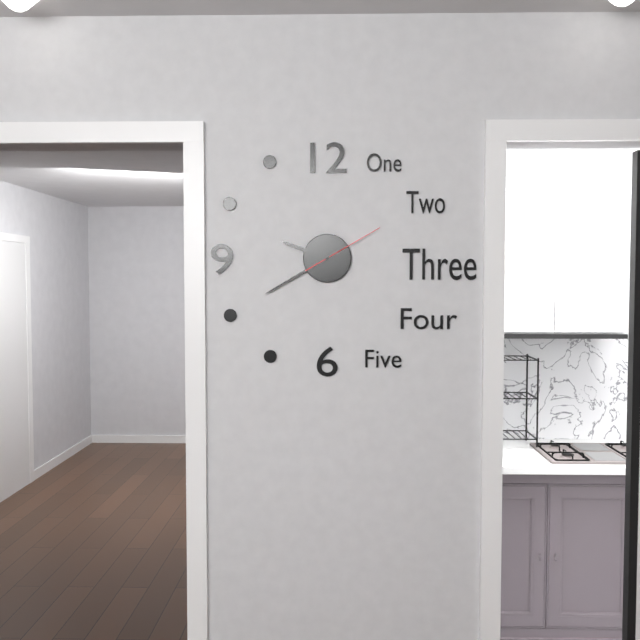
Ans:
9h40m10s
